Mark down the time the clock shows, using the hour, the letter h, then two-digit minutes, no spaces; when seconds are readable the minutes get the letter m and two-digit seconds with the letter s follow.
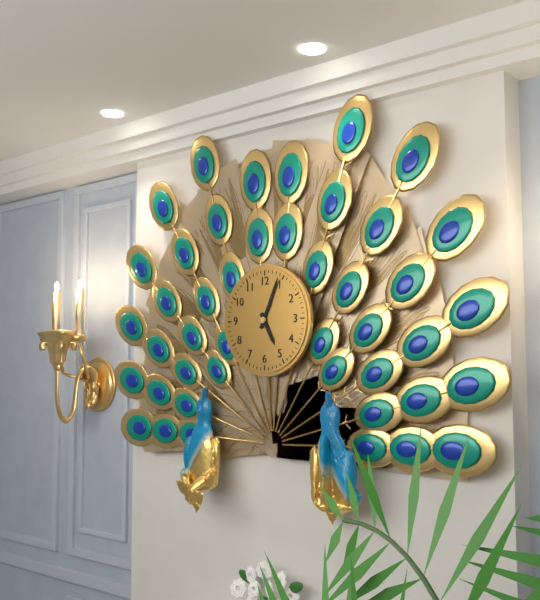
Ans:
5h04
